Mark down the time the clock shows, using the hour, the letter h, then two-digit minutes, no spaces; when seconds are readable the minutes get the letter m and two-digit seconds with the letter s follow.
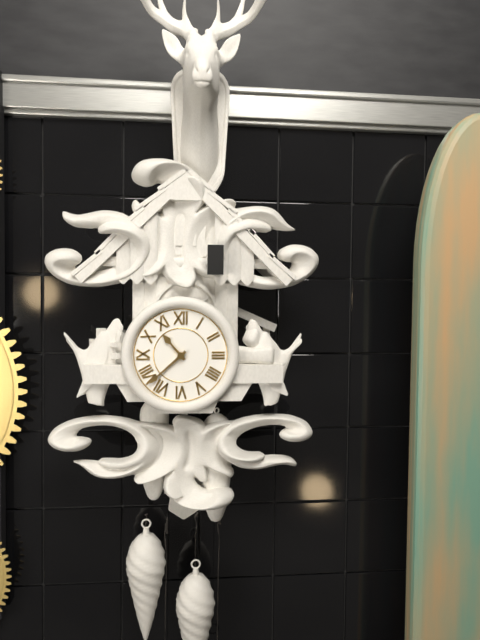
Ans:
10h38
